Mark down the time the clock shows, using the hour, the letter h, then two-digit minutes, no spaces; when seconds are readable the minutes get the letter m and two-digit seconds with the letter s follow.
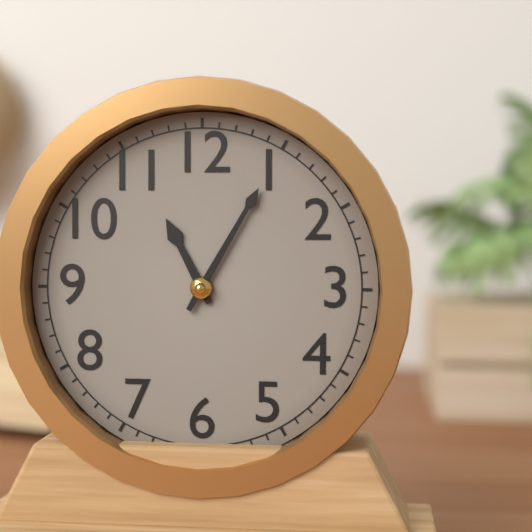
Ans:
11h05
